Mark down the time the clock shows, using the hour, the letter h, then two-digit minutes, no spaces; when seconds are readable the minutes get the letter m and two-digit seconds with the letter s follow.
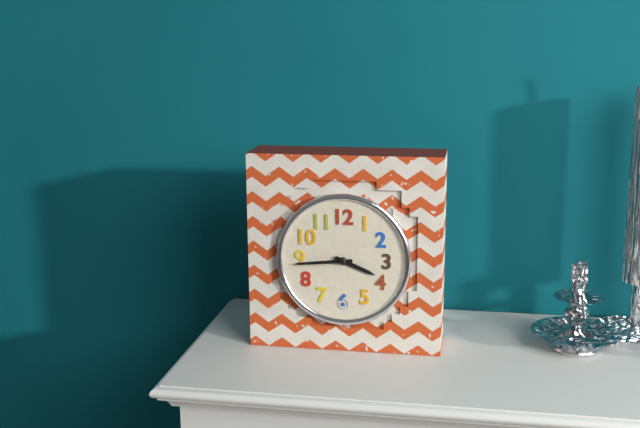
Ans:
3h44
